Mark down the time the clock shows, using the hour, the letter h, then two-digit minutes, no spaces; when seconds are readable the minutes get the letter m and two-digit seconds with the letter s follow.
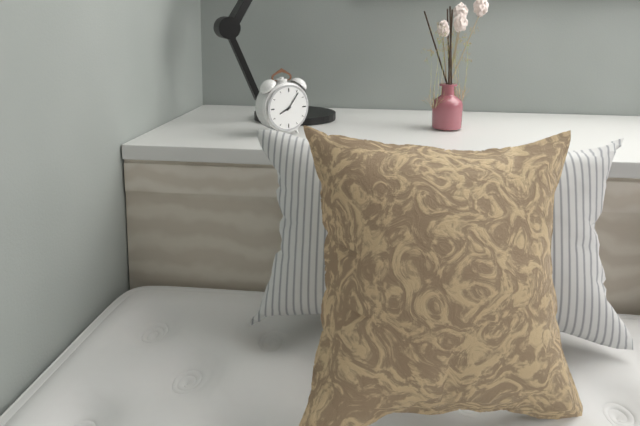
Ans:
8h06
